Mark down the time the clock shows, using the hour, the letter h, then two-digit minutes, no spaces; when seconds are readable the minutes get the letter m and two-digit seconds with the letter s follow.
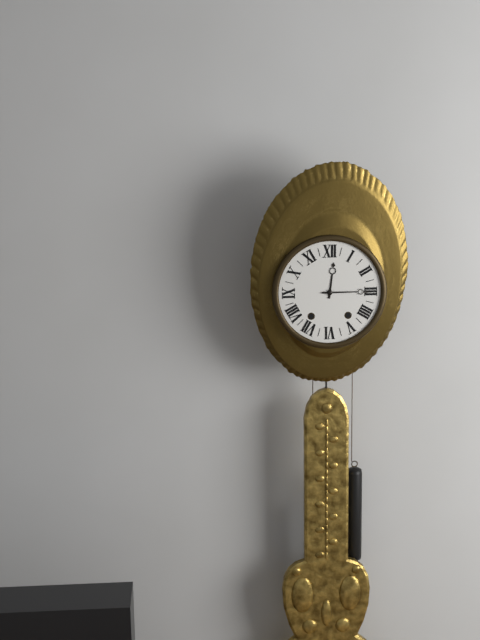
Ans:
12h15
